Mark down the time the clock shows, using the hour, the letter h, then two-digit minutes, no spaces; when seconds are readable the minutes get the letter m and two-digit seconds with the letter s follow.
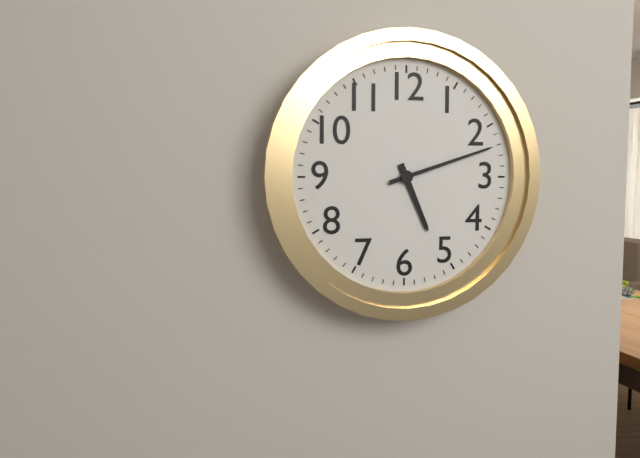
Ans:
5h12
